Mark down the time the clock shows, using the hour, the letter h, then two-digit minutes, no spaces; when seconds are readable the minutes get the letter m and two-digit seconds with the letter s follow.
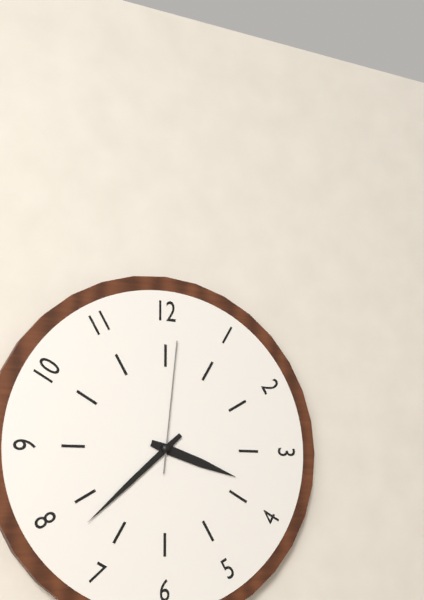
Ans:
3h38m01s
